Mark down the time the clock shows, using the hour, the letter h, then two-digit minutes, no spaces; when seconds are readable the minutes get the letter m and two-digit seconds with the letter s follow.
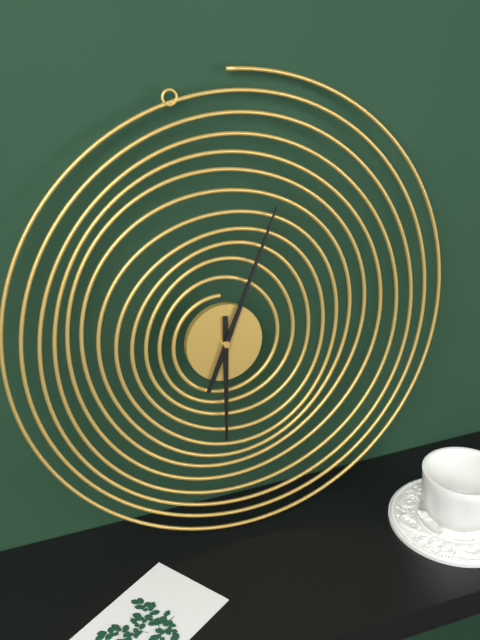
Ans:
6h04
